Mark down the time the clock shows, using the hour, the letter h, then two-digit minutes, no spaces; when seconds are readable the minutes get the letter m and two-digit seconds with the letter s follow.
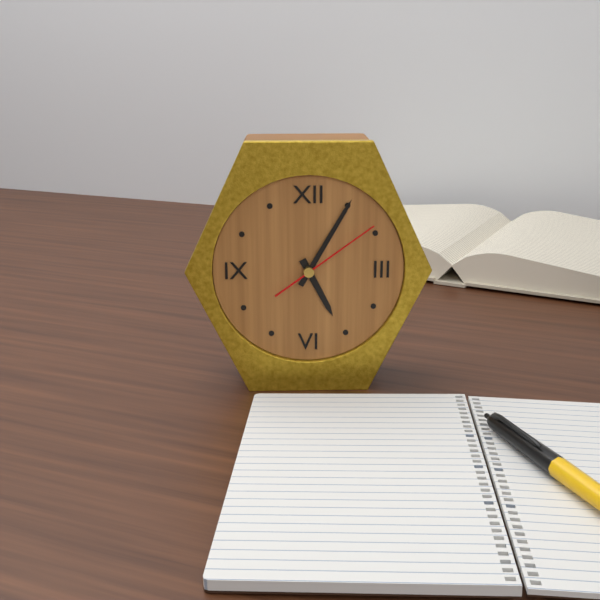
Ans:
5h05m09s
